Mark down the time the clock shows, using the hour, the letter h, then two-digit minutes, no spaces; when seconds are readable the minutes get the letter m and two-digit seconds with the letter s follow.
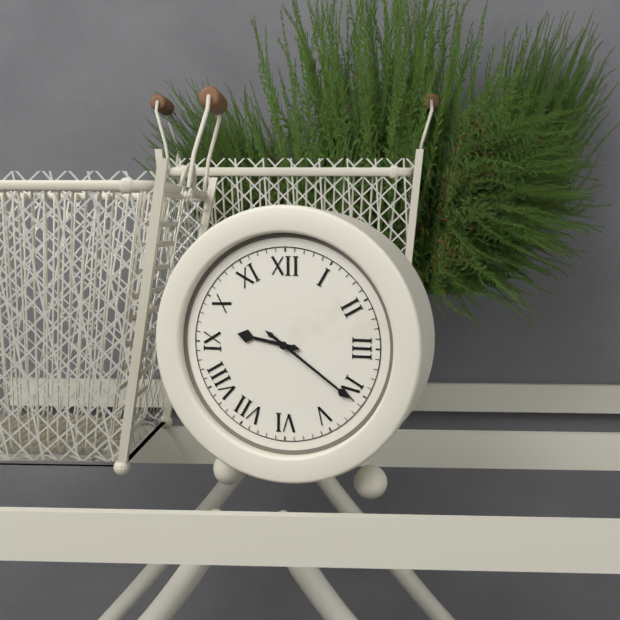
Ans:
9h21
